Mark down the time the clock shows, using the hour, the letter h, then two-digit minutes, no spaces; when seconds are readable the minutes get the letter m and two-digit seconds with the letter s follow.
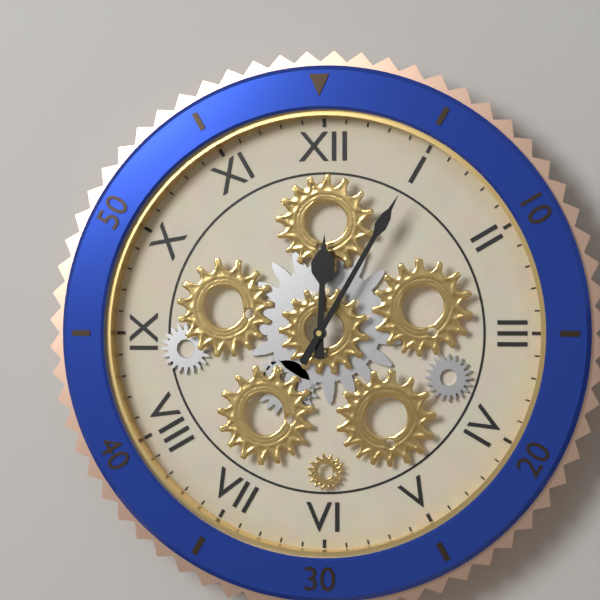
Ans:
12h05
